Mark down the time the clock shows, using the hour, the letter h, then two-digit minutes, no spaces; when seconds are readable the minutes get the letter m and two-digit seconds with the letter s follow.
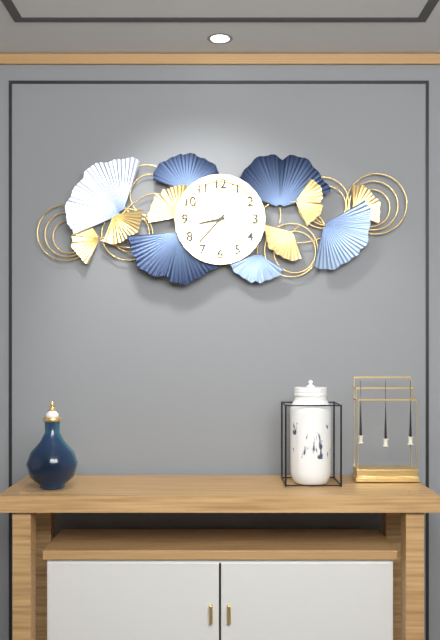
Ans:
8h37
